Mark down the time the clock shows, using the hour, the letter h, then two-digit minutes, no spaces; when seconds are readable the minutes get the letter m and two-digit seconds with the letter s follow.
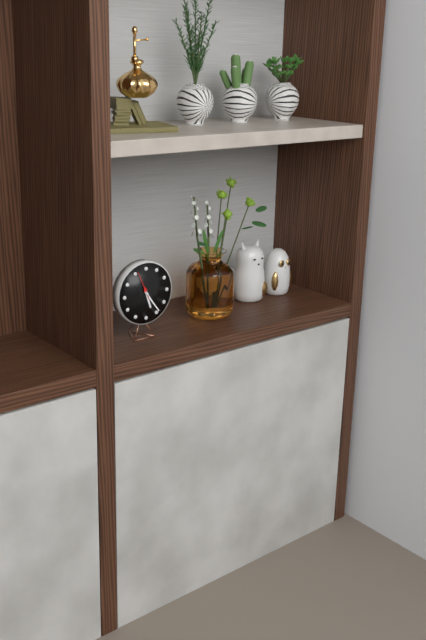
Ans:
5h24
